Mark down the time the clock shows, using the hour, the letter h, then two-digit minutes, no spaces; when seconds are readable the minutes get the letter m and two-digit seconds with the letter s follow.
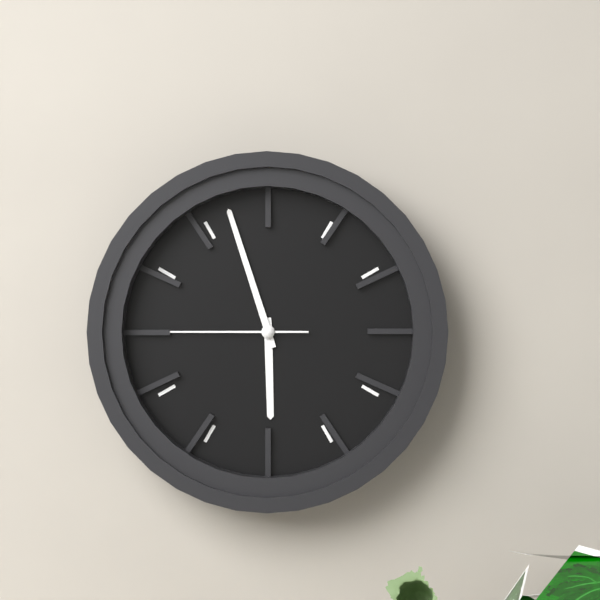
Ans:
5h57m45s
